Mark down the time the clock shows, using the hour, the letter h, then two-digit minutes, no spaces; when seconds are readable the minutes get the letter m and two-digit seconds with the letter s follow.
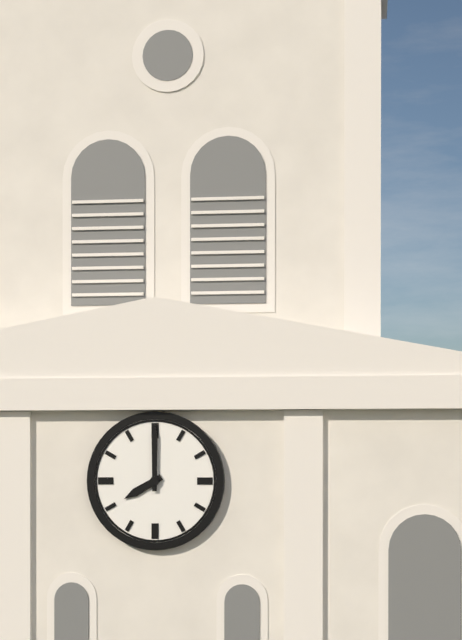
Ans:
8h00
